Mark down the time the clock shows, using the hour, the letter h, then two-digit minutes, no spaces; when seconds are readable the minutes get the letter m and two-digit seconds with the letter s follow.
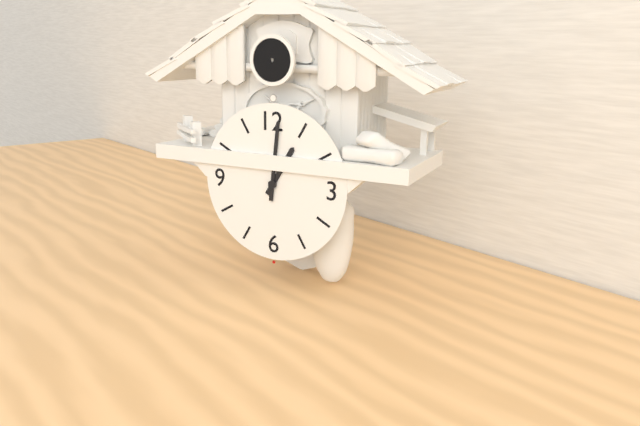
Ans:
1h01
